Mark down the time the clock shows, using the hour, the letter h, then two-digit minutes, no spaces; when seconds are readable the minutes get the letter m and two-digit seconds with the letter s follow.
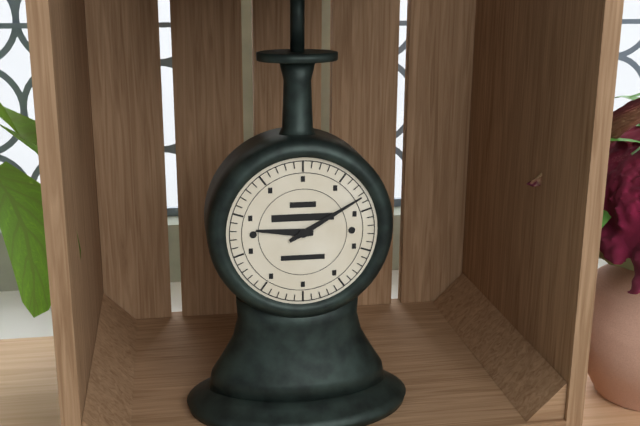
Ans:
9h10
